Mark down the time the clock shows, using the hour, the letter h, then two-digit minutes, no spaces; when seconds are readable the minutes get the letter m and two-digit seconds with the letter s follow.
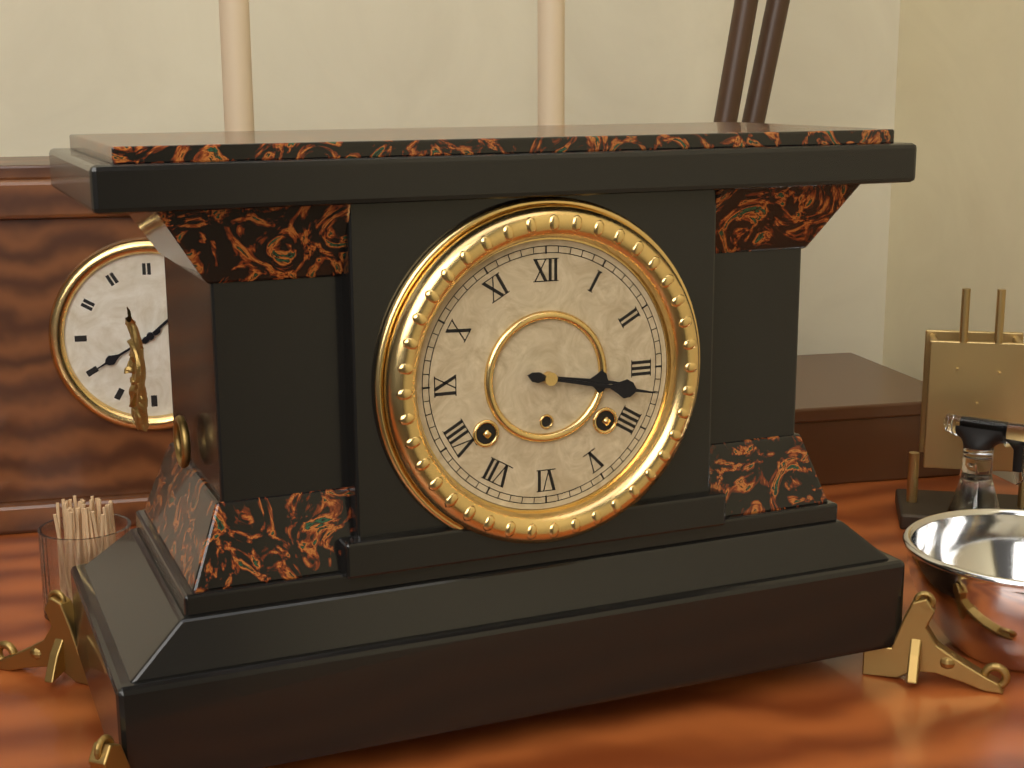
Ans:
3h17
